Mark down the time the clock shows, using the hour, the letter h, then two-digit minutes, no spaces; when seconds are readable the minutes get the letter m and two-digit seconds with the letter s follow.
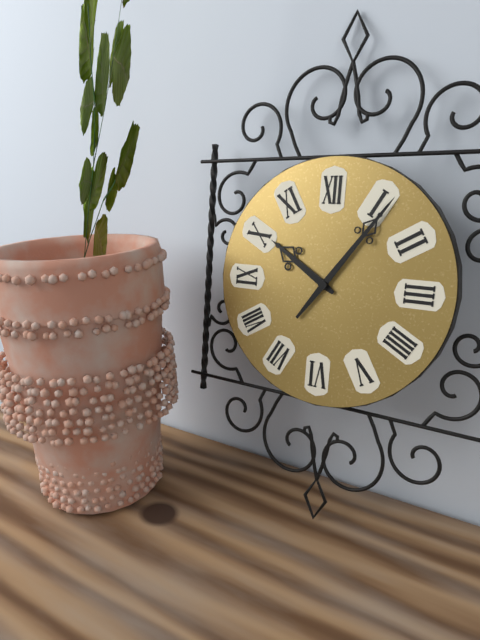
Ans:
10h06
